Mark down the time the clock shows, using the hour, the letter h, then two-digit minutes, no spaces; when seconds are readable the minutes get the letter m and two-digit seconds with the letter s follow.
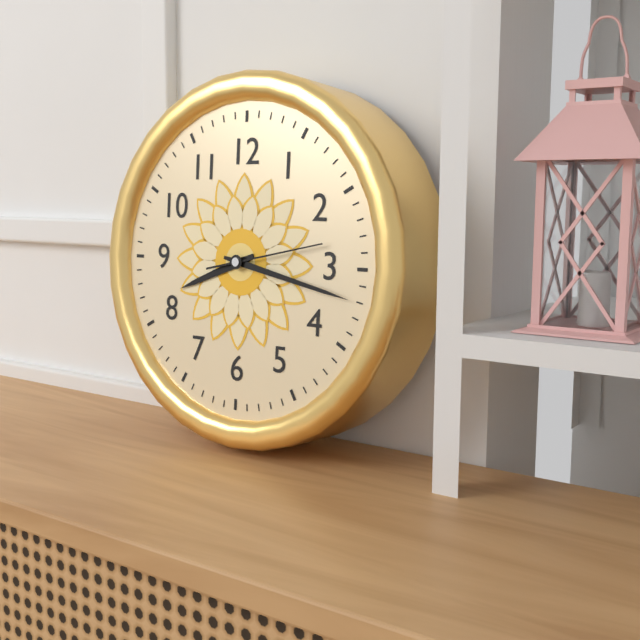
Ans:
8h17m13s
